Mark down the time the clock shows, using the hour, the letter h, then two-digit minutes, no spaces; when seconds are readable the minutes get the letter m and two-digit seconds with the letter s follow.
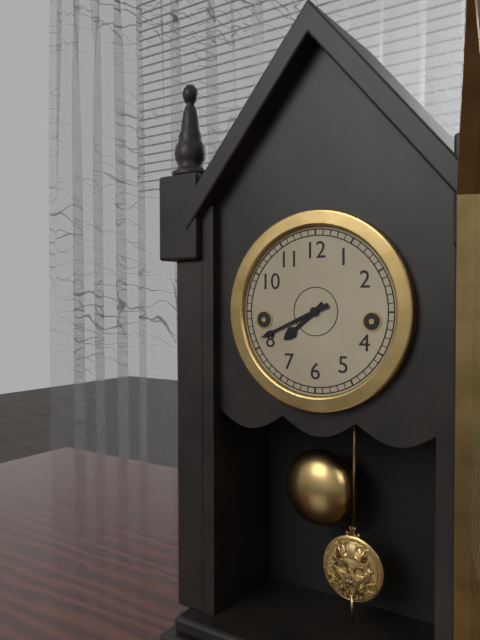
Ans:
7h41
